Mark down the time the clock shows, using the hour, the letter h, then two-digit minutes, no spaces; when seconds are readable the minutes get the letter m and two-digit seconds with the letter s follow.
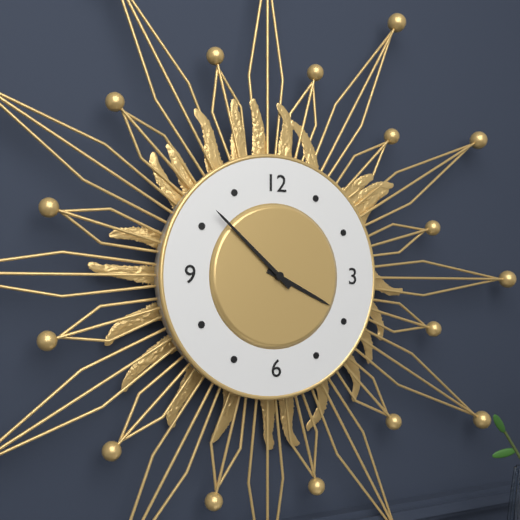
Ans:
3h52
